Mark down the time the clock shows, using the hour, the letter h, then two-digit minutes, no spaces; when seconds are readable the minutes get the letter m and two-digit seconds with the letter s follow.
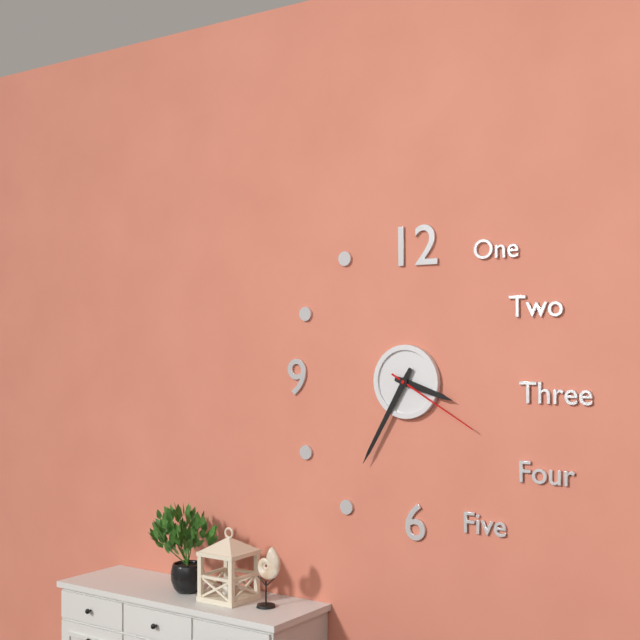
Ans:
3h35m20s
